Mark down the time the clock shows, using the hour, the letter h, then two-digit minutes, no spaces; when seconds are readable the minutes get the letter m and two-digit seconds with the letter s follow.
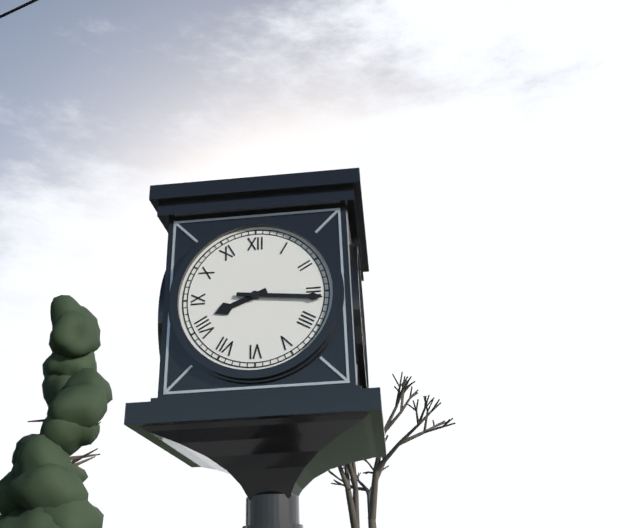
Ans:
8h16
